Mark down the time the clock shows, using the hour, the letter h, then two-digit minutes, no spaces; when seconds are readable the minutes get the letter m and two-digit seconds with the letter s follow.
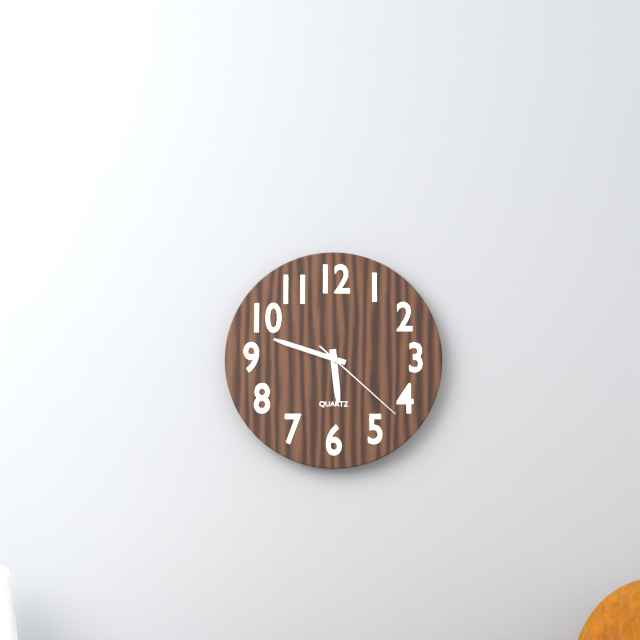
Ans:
5h48m22s
